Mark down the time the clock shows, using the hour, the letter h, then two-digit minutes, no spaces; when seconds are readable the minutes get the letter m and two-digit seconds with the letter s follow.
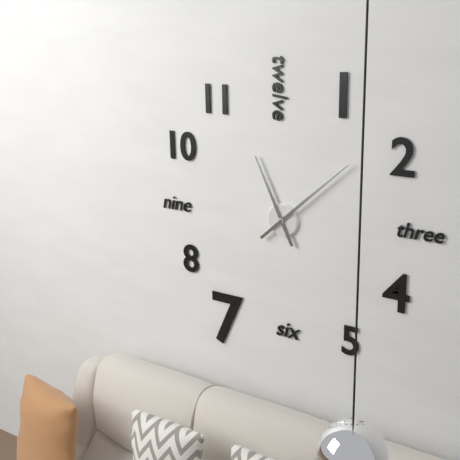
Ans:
11h08
